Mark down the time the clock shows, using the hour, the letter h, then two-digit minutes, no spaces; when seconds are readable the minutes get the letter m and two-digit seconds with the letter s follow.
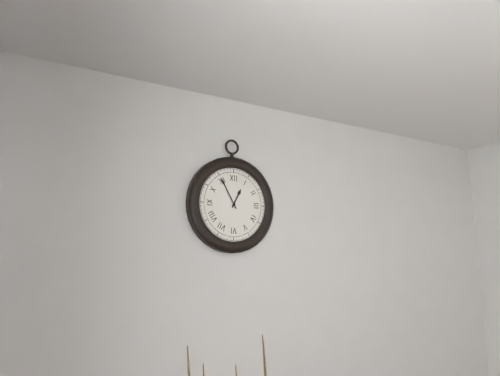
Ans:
12h55
